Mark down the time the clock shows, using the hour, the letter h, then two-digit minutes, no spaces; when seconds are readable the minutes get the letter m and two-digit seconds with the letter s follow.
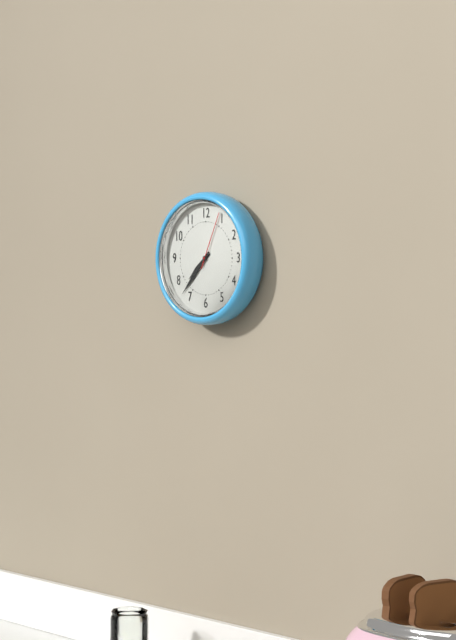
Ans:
7h37m04s
